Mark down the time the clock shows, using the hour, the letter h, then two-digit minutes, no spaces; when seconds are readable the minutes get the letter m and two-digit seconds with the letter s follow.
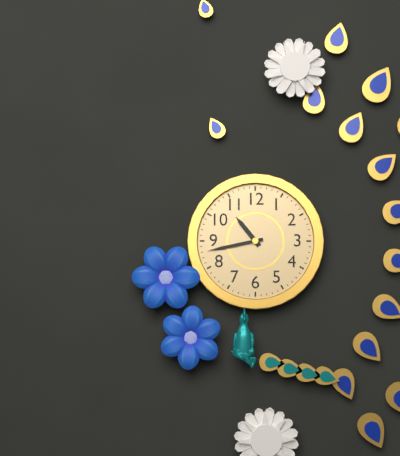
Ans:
10h43
